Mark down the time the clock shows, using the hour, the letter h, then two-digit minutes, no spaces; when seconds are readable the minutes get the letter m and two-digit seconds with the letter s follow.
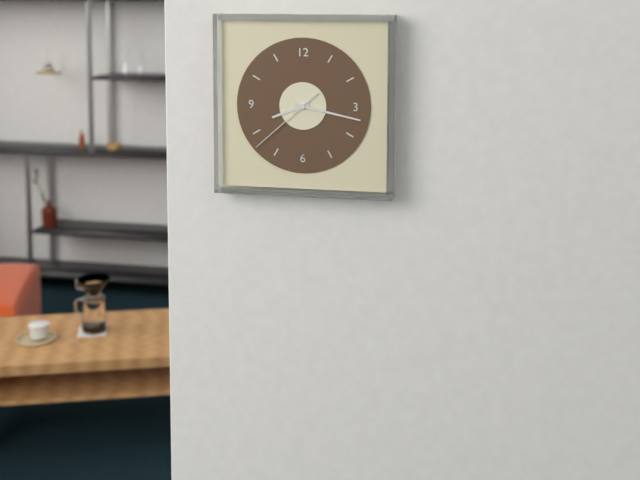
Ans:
8h17m38s
